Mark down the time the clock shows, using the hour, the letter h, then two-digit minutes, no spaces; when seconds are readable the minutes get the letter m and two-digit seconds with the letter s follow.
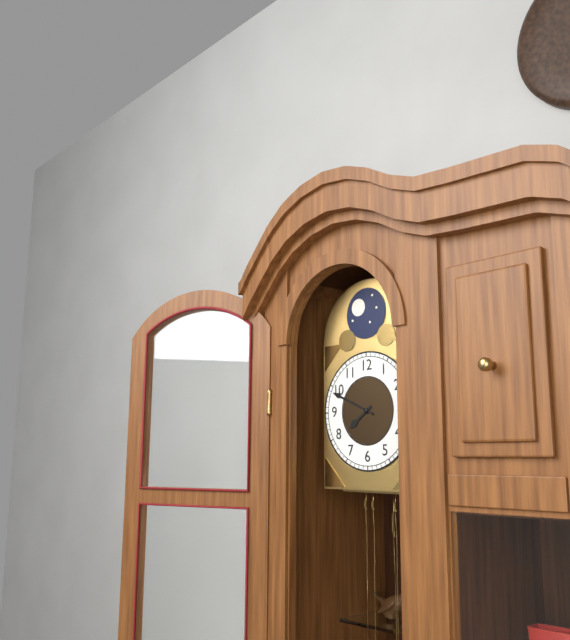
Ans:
7h49
